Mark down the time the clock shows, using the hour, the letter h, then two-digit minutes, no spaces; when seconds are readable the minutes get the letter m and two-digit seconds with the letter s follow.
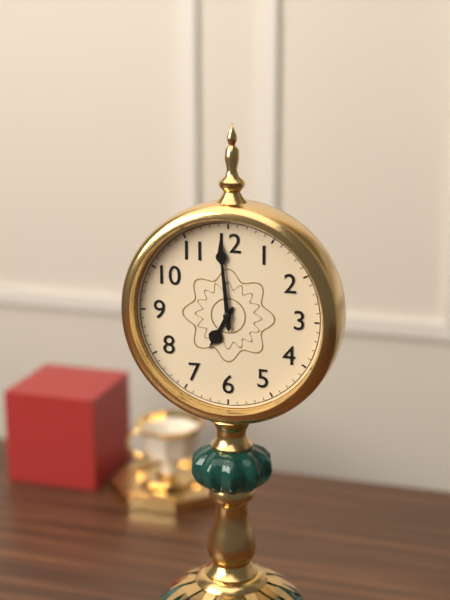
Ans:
6h59
